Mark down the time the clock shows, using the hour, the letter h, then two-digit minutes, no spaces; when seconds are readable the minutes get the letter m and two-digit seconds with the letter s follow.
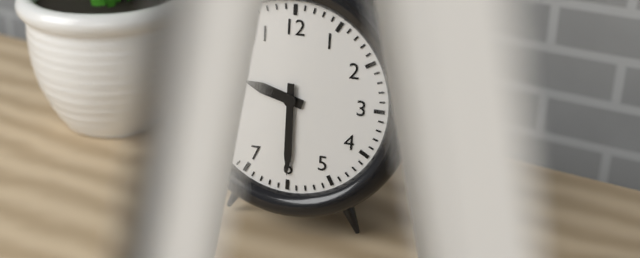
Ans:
9h30
